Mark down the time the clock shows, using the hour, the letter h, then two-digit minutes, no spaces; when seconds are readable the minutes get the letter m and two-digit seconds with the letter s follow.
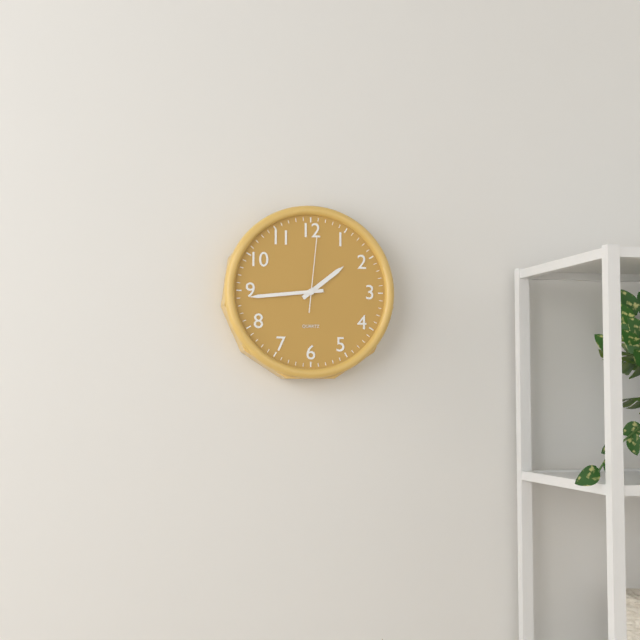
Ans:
1h44m01s
